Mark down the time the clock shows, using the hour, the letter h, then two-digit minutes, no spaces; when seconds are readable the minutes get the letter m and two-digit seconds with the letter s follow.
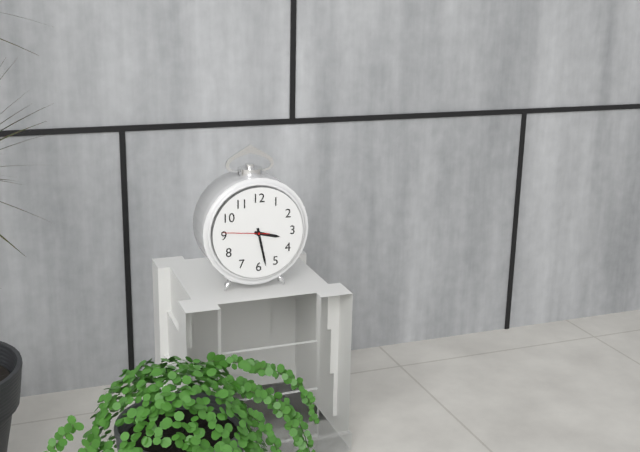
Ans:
3h28
